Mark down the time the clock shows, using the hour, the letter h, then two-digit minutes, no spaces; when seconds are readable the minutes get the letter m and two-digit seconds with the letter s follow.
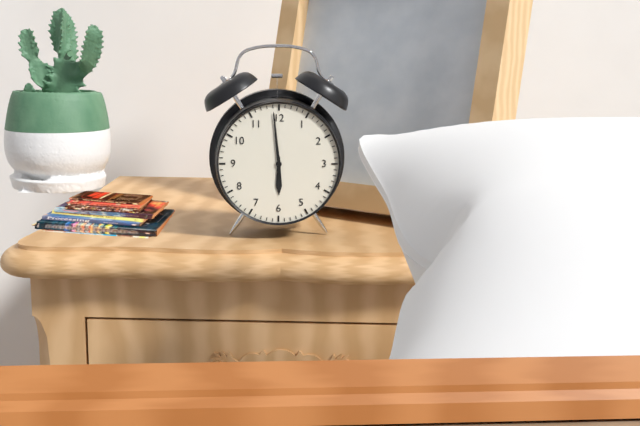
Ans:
5h59
